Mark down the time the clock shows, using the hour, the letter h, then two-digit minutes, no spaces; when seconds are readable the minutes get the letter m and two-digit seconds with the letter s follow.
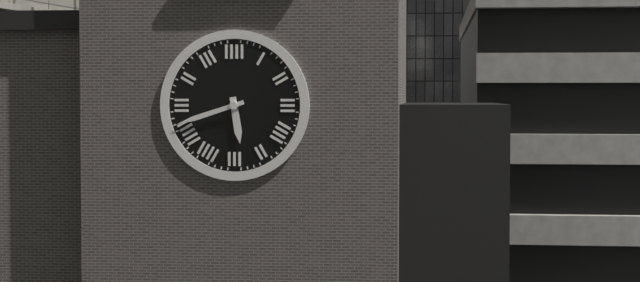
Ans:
5h42
